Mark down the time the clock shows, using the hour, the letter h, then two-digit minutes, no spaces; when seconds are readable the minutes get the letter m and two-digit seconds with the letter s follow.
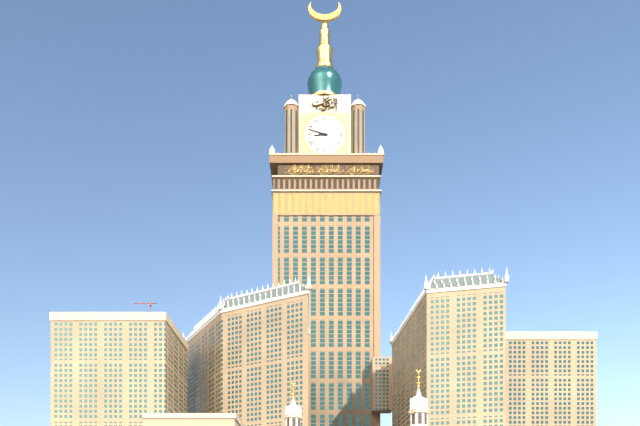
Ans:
8h48
